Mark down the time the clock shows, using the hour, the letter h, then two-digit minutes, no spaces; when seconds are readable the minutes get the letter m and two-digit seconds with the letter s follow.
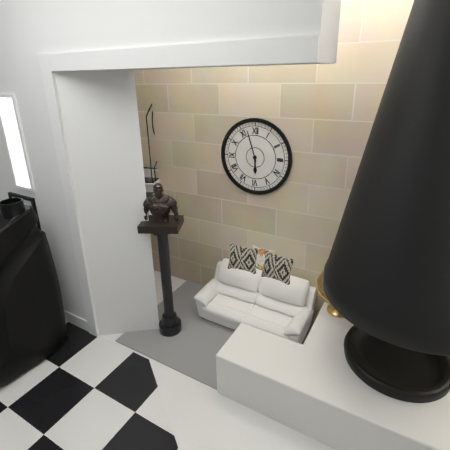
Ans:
5h57
